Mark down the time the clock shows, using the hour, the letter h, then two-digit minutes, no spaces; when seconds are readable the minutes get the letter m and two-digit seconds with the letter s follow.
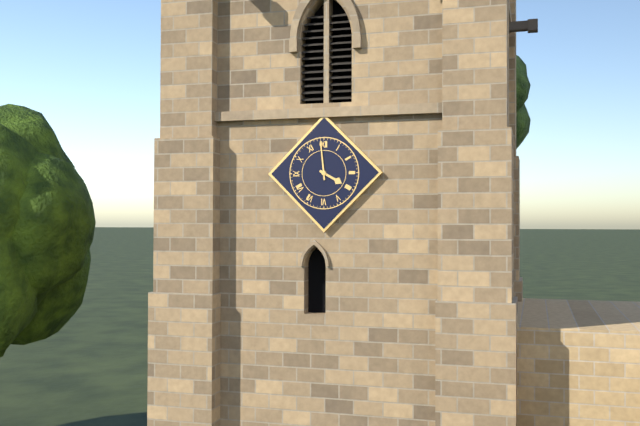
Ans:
3h59
